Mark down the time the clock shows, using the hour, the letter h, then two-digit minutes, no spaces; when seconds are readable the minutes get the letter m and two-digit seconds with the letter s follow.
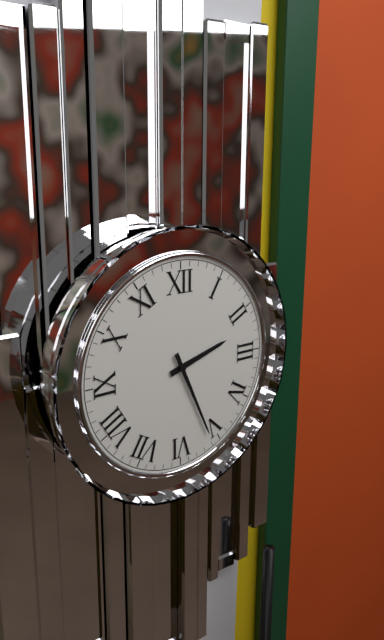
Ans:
2h26
